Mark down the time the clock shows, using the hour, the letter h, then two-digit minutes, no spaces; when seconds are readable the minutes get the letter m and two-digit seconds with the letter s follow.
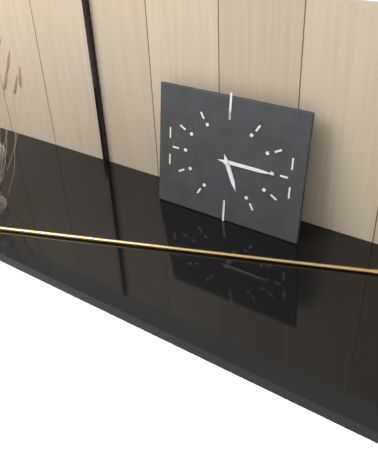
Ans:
5h15
